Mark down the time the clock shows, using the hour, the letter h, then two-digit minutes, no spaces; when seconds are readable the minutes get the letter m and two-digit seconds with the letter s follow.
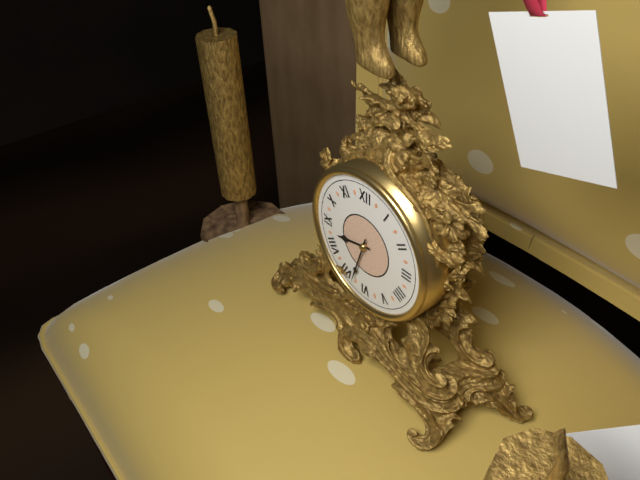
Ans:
8h33
